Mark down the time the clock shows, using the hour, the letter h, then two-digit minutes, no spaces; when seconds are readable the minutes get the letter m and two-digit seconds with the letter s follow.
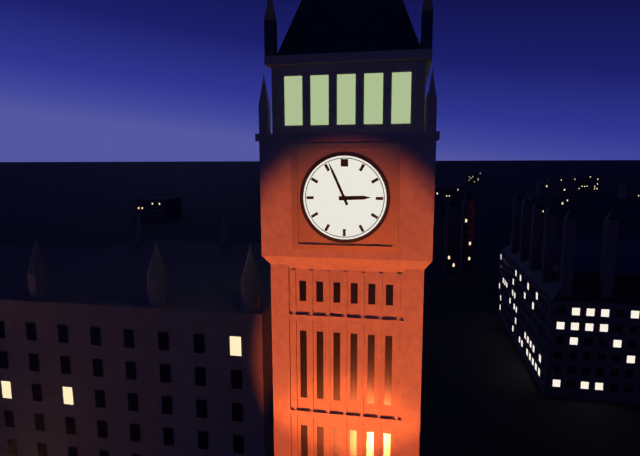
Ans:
2h56
